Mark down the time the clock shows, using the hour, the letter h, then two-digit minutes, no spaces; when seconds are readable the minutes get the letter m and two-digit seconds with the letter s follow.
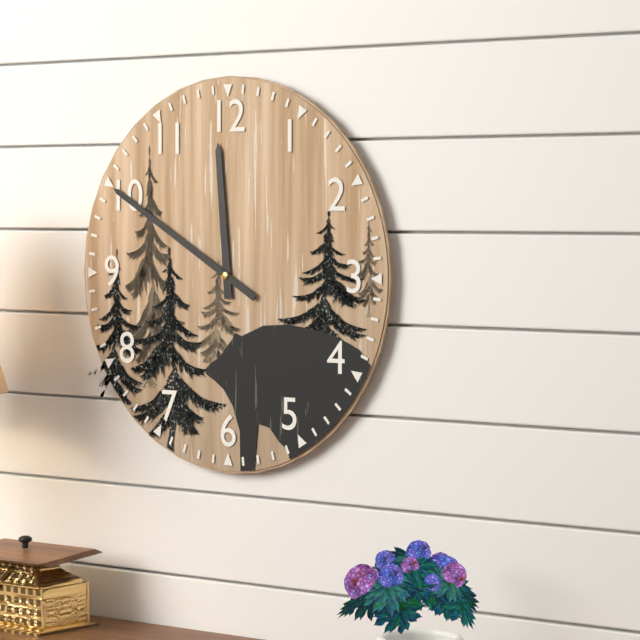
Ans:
11h50
